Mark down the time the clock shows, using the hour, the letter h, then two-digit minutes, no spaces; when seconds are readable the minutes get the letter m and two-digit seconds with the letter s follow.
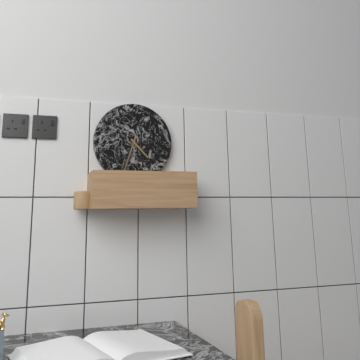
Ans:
4h33
